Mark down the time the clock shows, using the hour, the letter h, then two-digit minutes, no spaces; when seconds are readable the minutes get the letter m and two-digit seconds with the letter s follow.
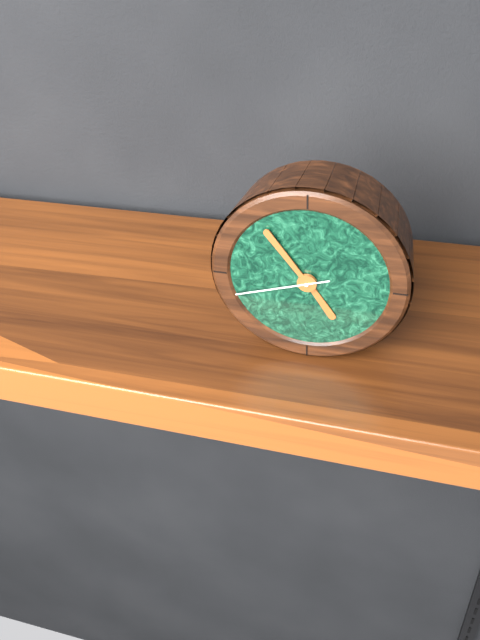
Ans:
4h54m42s
